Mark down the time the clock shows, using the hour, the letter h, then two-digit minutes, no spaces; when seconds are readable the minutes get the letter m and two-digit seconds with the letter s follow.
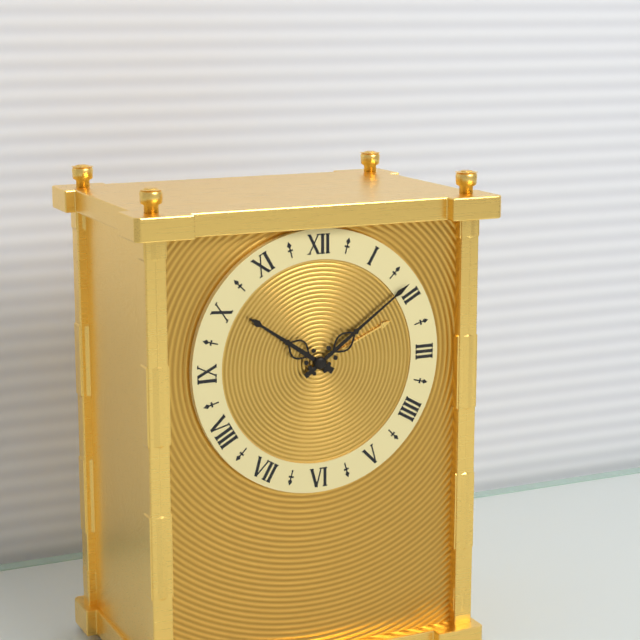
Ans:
10h09
